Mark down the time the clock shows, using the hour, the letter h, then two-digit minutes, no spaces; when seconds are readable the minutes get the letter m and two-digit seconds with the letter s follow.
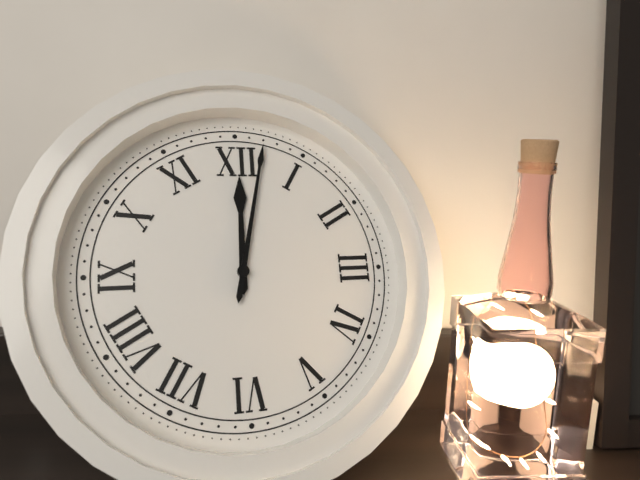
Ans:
12h02
